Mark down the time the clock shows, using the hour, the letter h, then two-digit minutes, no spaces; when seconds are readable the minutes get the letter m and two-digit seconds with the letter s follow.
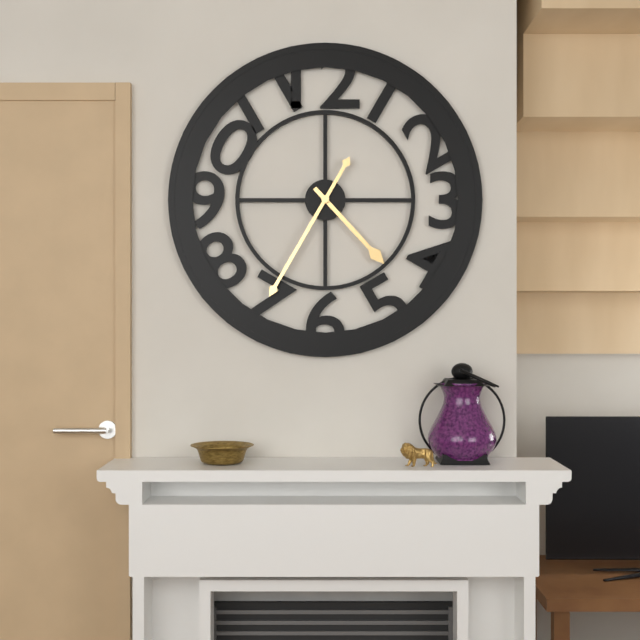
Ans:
4h35
